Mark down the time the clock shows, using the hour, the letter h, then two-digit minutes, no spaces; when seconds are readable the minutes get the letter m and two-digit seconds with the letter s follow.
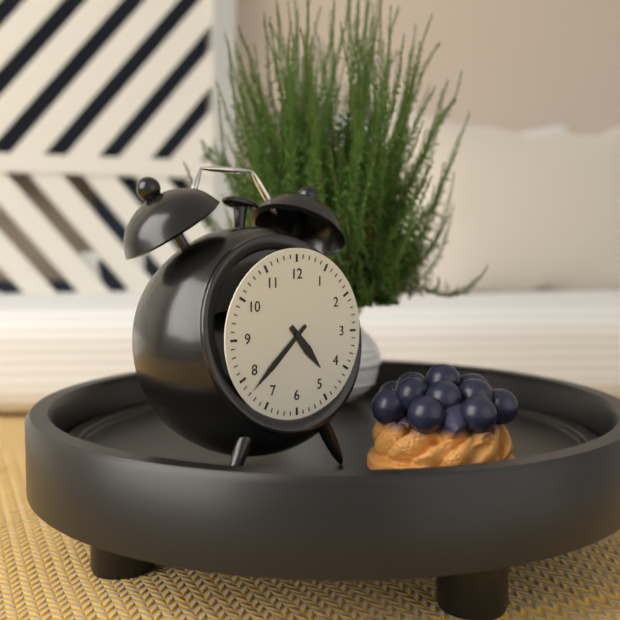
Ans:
4h38
